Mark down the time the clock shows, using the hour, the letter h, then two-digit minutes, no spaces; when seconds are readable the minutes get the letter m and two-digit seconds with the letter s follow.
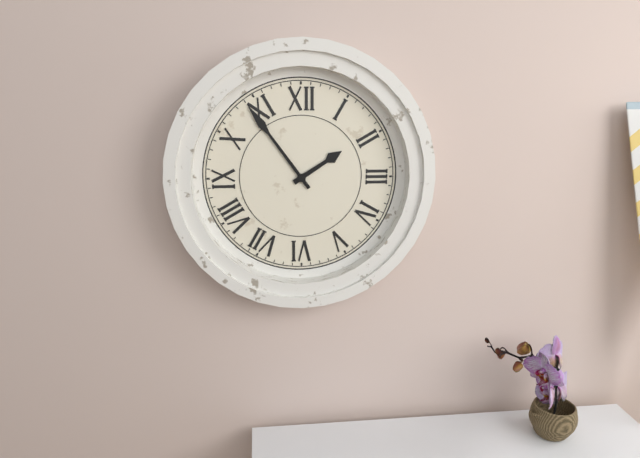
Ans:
1h54
